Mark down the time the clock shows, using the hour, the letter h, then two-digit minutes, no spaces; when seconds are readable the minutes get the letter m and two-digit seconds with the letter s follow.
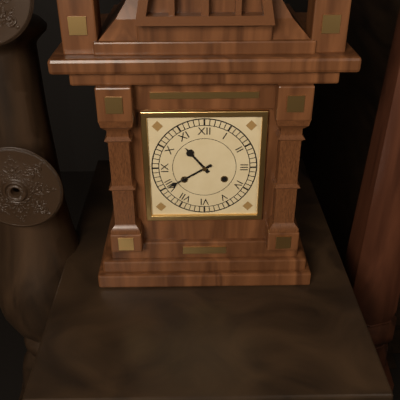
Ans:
10h40
